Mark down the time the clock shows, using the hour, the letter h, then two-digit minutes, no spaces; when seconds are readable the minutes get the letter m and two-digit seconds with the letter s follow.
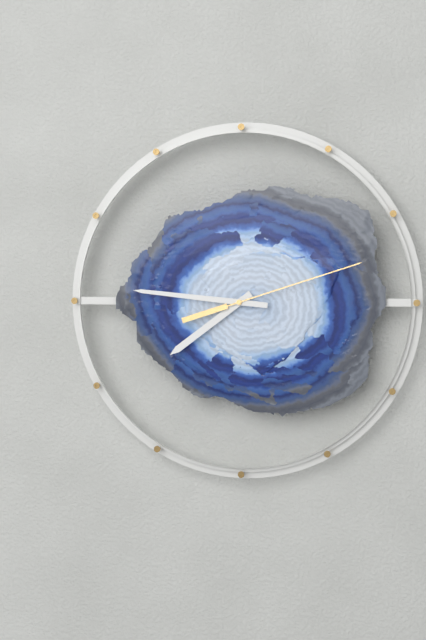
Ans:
7h46m12s
